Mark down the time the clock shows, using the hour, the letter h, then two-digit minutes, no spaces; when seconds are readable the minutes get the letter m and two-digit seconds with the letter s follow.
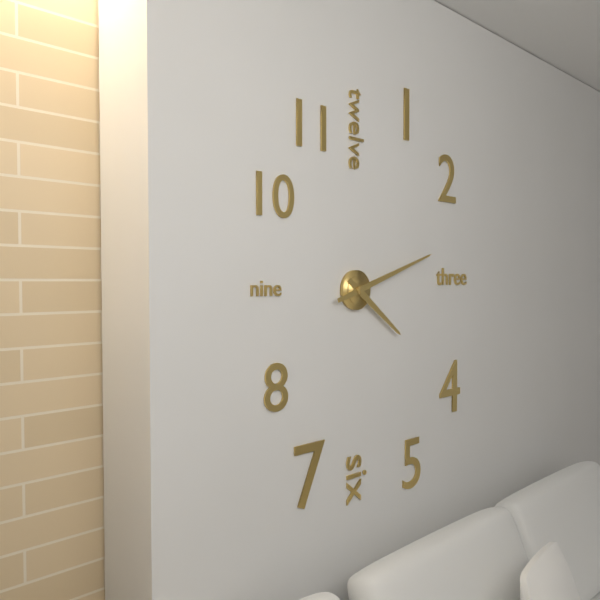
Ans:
4h12
